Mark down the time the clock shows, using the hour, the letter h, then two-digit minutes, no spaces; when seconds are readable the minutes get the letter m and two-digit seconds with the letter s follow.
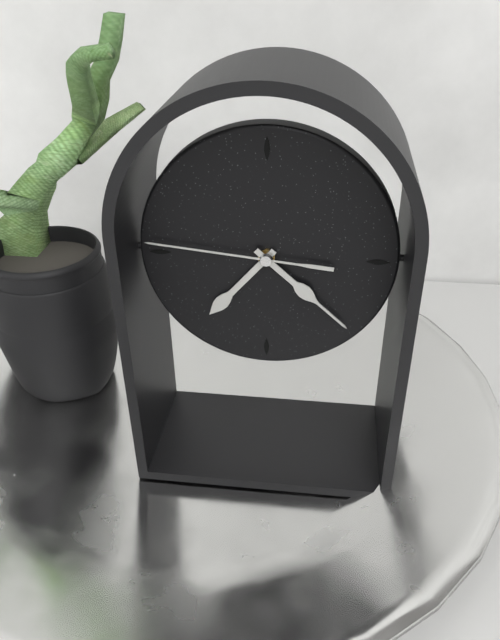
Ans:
7h22m46s
